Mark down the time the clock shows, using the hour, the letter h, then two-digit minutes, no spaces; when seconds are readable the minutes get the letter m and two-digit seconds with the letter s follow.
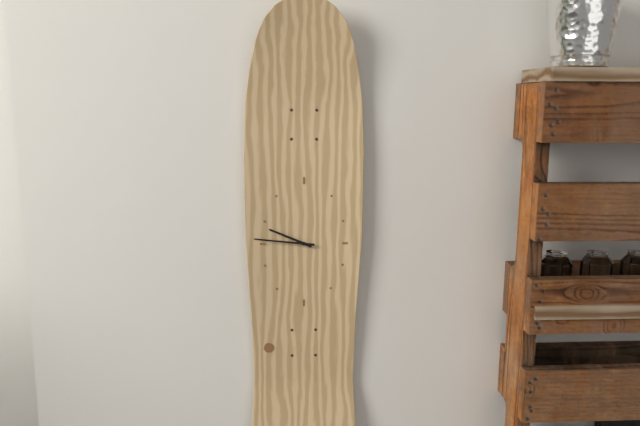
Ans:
9h46
